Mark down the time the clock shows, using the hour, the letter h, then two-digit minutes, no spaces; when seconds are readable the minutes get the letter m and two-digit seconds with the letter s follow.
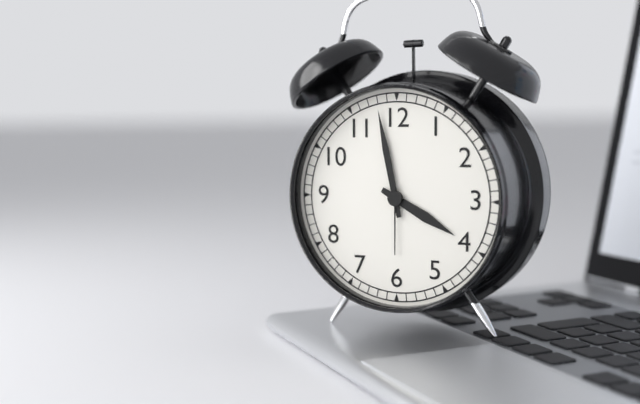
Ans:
3h58m30s
